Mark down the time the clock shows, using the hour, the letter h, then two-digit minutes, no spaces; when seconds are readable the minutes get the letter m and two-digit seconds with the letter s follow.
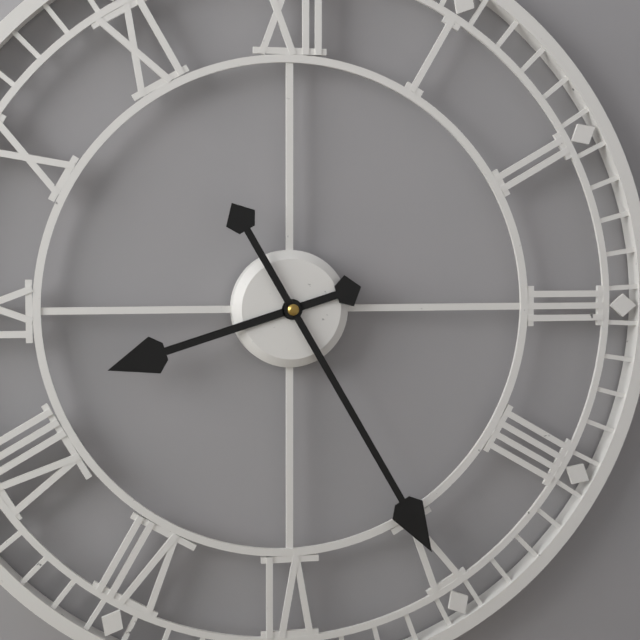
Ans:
8h25
